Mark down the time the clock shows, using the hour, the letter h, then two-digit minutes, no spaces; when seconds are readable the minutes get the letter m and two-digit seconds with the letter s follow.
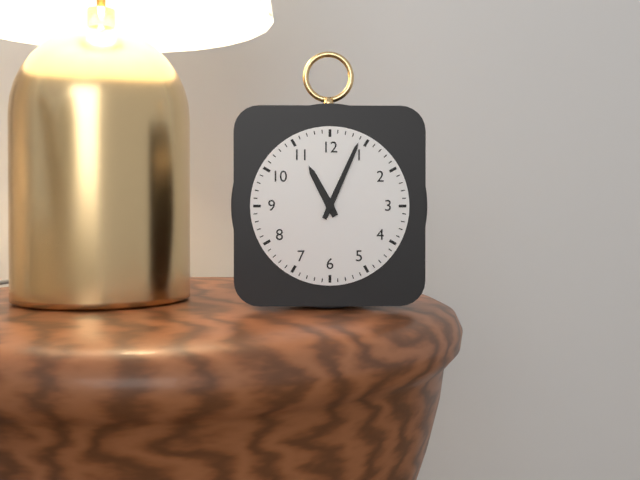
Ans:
11h04
